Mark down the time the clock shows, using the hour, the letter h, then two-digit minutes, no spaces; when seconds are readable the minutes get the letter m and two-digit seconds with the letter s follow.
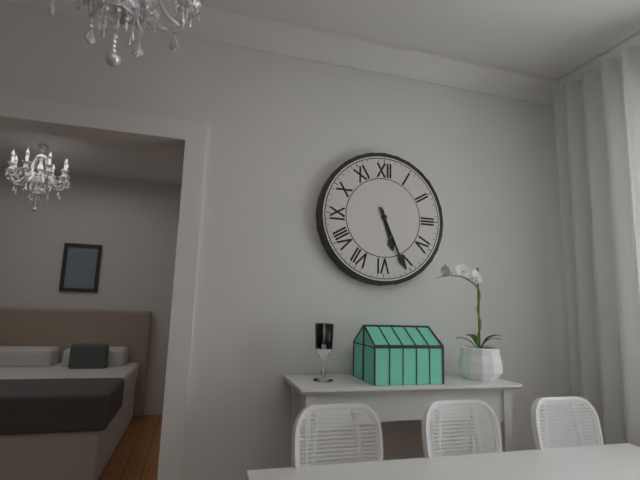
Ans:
5h26
